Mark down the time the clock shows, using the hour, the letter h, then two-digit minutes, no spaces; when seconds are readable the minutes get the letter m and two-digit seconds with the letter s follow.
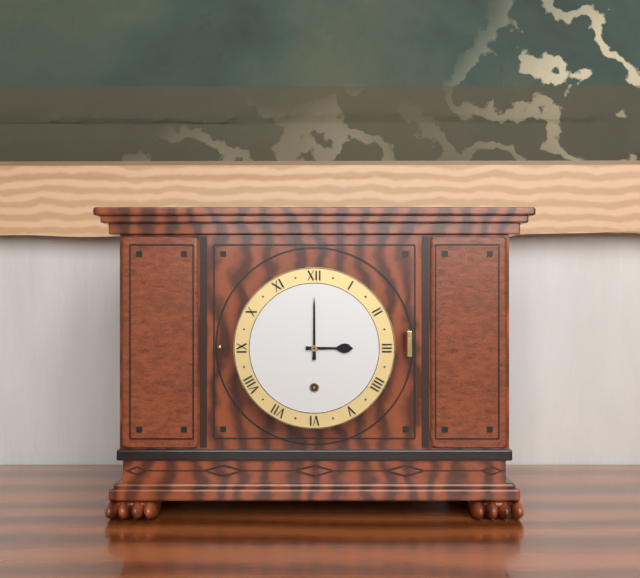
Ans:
3h00
